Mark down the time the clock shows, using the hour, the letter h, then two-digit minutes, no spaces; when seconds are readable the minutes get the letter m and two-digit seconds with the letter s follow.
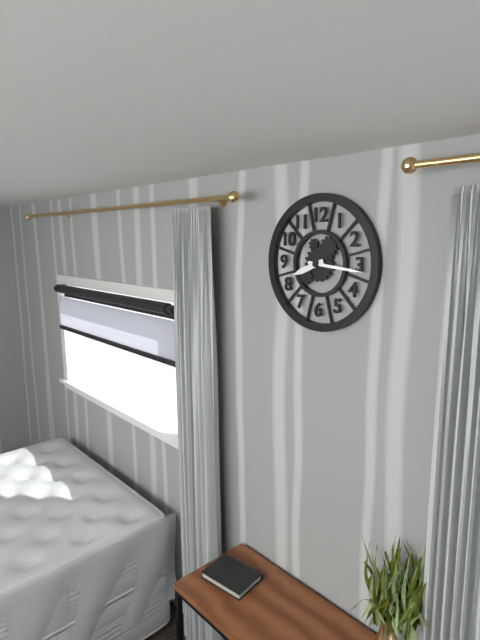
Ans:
8h16
